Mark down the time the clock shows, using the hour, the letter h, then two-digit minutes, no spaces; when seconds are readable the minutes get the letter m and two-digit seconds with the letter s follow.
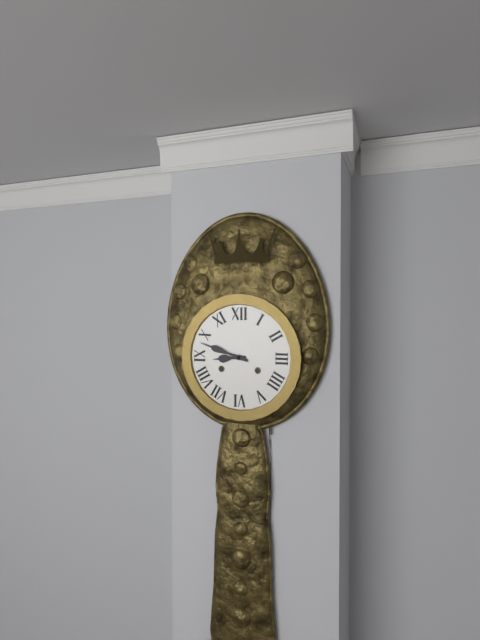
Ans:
8h48
